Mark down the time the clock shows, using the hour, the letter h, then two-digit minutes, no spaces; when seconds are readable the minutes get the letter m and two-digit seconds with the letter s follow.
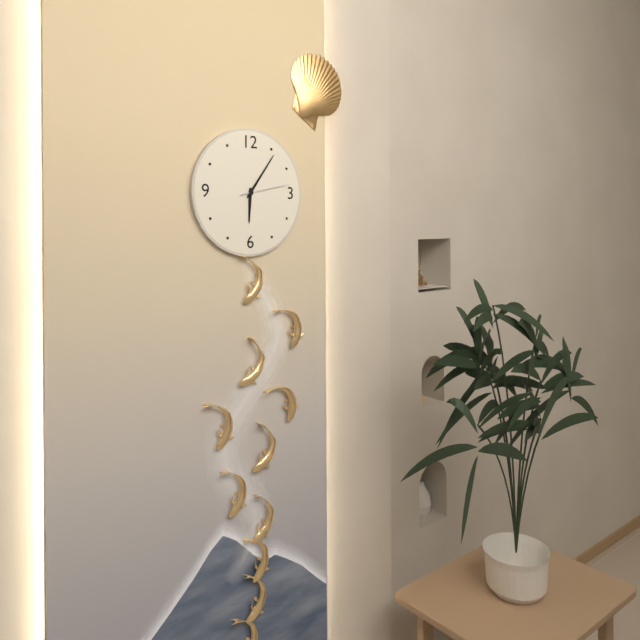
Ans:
6h06m13s
